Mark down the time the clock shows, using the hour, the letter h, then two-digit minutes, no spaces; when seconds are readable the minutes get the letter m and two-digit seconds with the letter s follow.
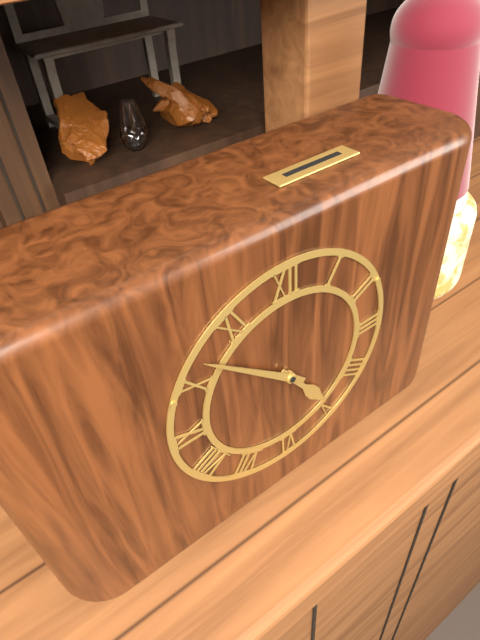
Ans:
4h52
